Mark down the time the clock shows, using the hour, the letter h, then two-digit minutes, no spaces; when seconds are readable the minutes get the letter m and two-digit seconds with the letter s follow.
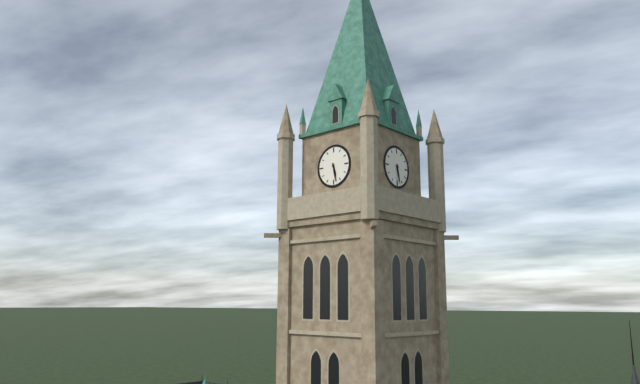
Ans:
5h28
